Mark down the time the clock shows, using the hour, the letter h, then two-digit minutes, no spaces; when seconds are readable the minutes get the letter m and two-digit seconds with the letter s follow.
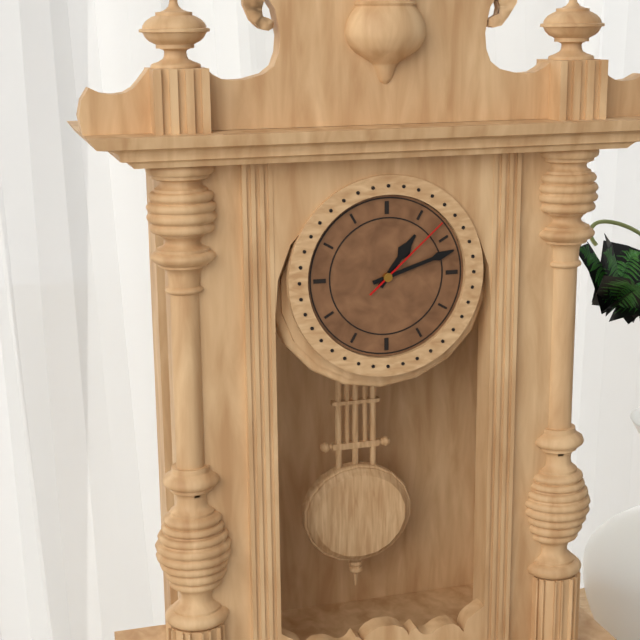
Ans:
1h12m08s
